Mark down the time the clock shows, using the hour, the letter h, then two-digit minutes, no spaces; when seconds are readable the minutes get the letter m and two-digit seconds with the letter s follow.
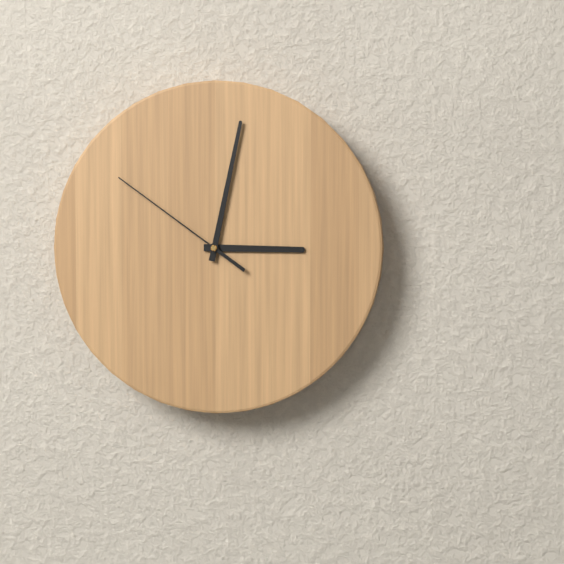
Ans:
3h02m51s
